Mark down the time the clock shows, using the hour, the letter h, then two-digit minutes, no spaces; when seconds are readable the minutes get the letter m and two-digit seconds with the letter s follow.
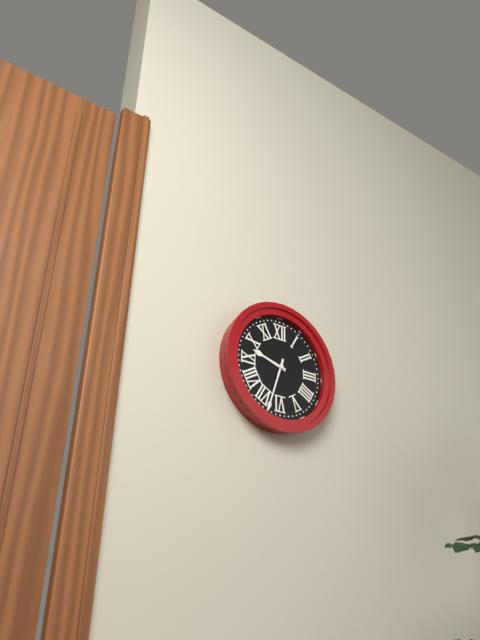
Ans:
9h33
